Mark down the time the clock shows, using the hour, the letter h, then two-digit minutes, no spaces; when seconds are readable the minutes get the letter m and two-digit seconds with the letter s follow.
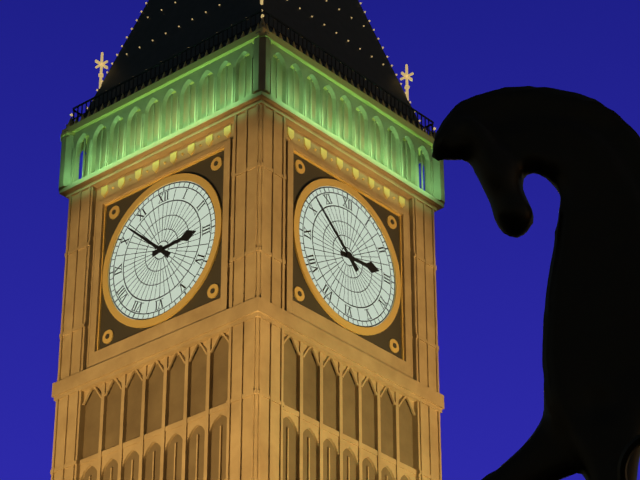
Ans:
2h52
